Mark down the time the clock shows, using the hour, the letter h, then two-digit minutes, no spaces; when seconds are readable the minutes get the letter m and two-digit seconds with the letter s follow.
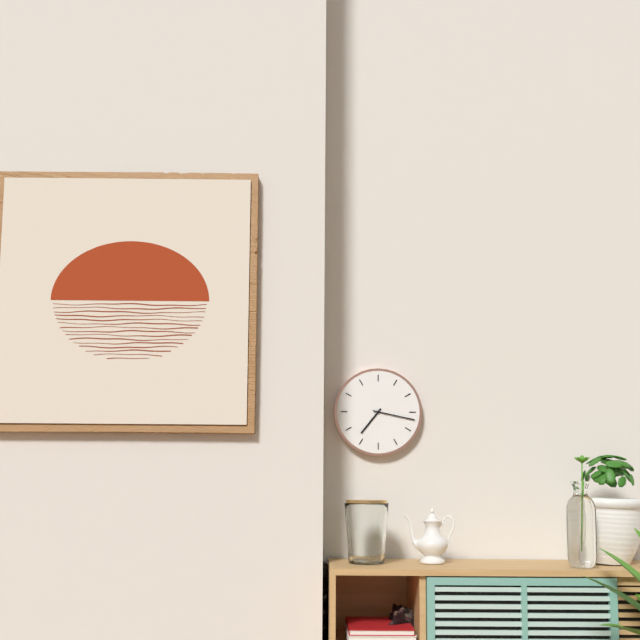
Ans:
7h17
